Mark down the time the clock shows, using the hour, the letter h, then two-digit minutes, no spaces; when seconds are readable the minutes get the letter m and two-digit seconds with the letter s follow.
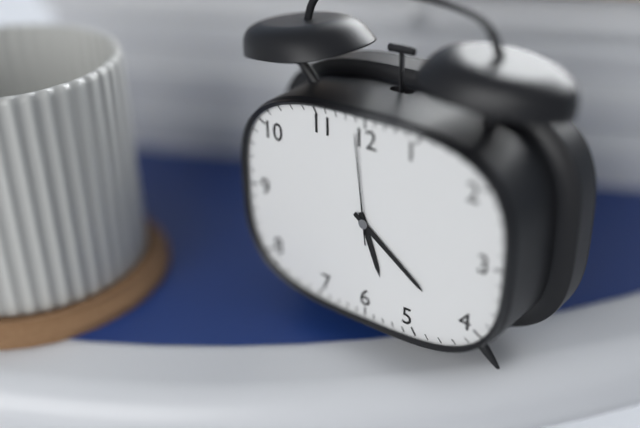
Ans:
5h21m59s
